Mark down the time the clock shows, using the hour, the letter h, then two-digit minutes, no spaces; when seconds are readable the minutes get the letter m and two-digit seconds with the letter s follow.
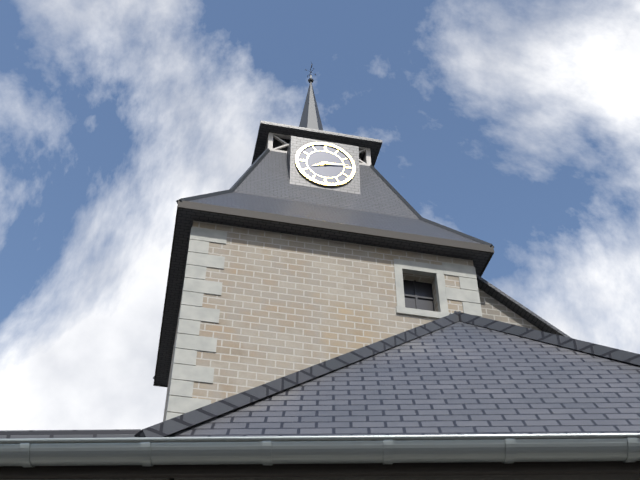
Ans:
8h14
